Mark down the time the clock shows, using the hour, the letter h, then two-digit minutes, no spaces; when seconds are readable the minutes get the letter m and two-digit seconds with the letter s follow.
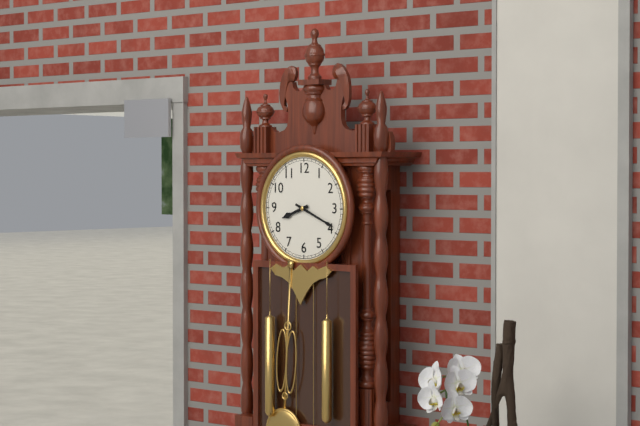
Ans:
8h19
